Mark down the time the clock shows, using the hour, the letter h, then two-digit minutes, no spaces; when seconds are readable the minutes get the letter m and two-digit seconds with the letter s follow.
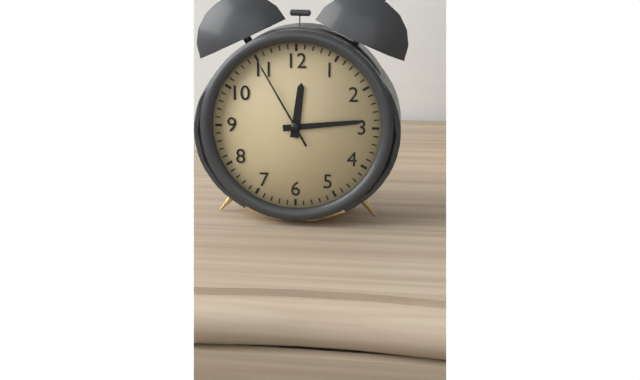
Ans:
12h14m55s
